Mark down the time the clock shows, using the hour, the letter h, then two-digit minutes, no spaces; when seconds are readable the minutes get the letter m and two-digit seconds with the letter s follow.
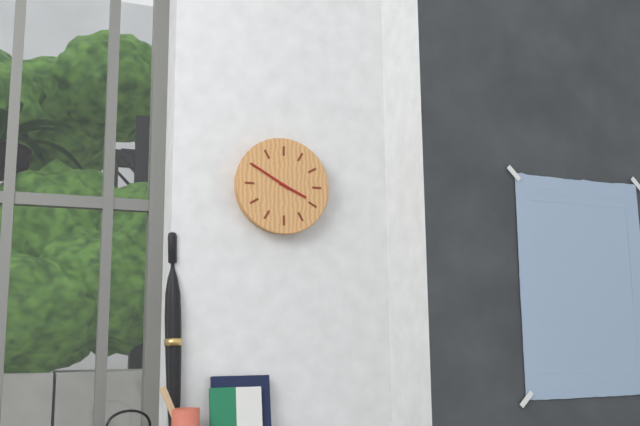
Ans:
3h50
